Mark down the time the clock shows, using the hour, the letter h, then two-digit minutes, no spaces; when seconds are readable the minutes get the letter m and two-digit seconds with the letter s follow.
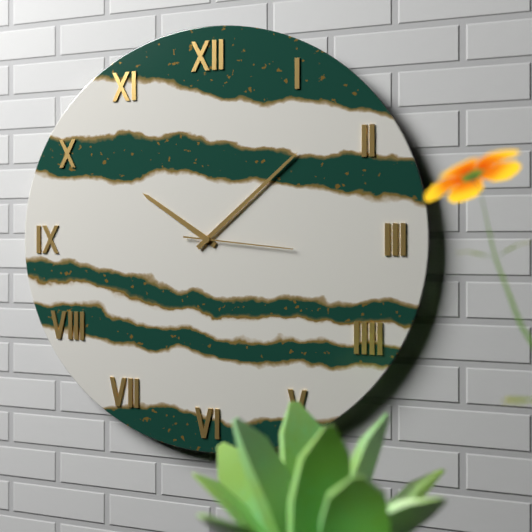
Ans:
10h08m16s
